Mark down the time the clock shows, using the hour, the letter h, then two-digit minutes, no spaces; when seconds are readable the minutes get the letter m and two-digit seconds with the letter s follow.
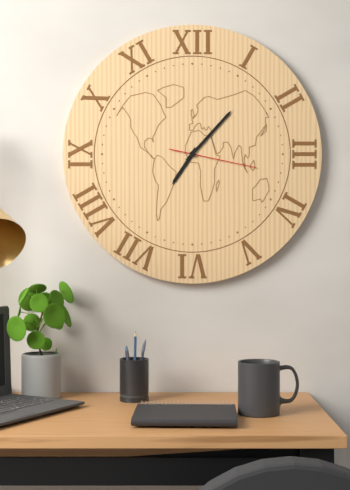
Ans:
7h07m17s
